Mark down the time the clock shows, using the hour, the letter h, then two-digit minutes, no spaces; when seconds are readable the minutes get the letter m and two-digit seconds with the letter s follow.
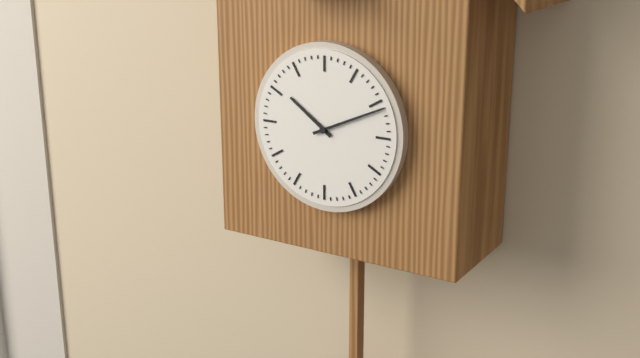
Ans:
10h11
